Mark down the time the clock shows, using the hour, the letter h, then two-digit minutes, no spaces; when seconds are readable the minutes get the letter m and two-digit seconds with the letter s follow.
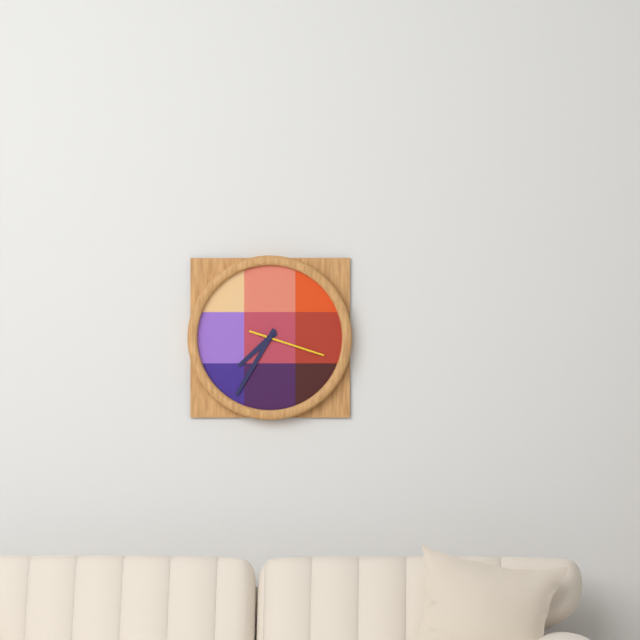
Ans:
7h35m18s
